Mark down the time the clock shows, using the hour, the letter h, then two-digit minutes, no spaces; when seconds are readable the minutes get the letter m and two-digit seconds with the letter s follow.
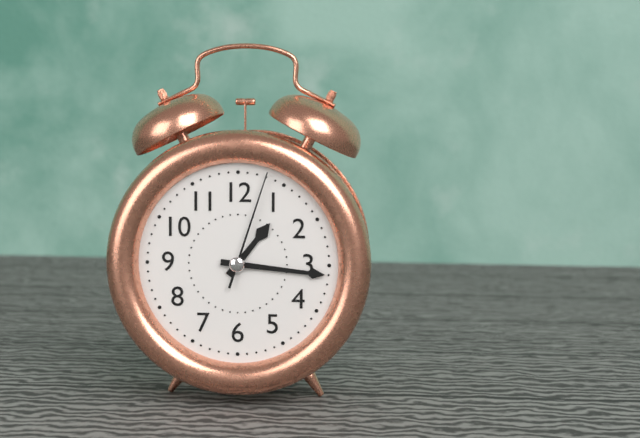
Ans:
1h16m03s
